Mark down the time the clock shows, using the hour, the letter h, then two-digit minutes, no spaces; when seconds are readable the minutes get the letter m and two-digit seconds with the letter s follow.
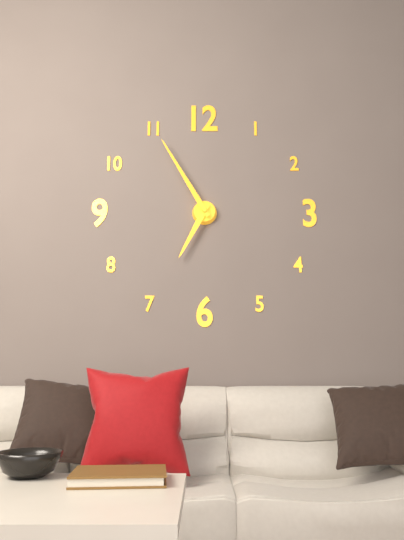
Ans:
6h55
